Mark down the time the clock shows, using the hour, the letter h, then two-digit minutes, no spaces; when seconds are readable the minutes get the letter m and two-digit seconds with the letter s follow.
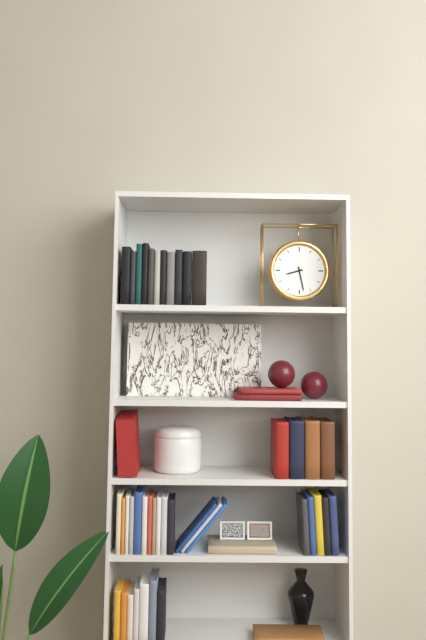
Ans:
8h28
